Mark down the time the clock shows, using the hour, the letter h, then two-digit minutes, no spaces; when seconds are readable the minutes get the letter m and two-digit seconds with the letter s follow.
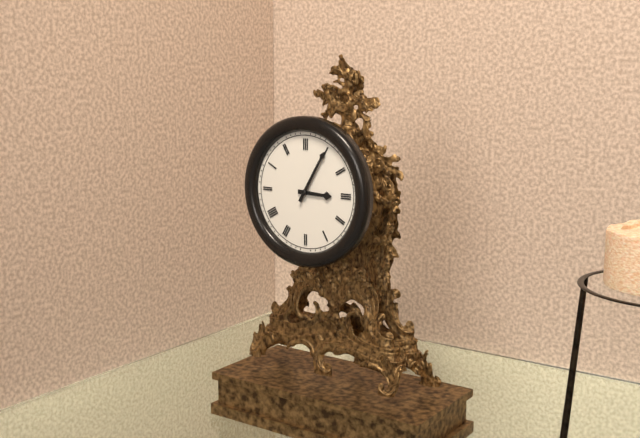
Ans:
3h05
